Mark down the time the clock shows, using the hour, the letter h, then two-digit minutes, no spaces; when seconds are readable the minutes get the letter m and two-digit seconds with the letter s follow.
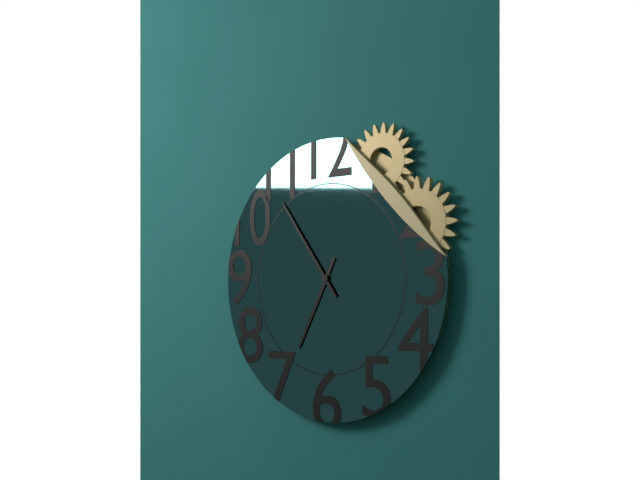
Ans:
6h54
